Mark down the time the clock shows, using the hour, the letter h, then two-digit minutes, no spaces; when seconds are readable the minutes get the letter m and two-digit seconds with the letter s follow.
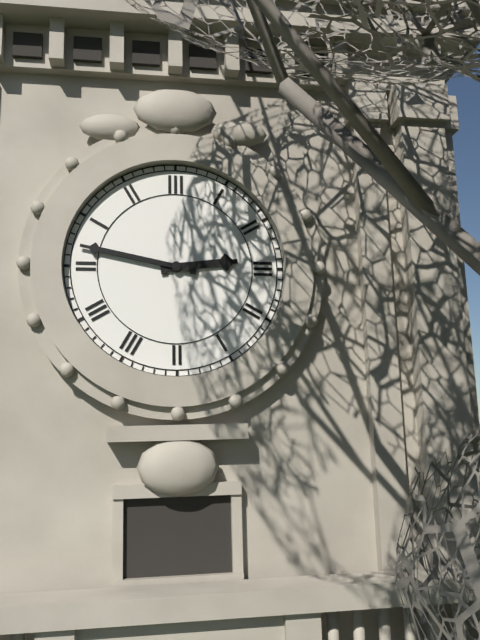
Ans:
2h47
